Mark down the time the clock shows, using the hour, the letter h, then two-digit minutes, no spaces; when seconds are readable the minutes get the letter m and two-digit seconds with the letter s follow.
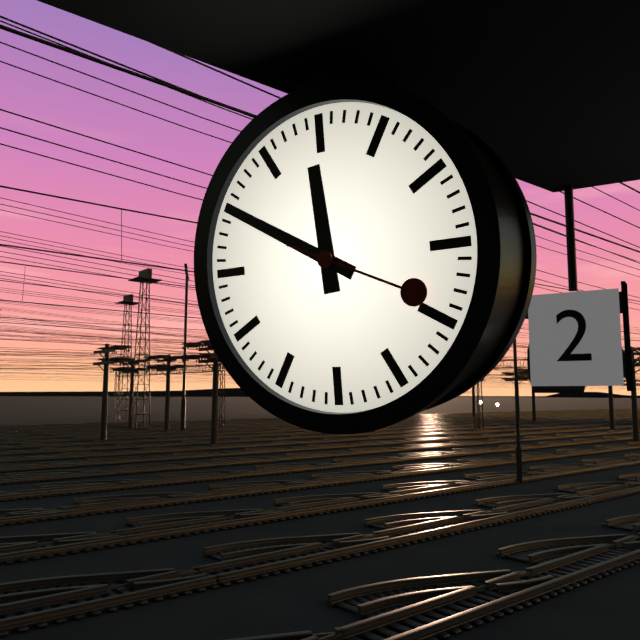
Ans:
11h50m19s
